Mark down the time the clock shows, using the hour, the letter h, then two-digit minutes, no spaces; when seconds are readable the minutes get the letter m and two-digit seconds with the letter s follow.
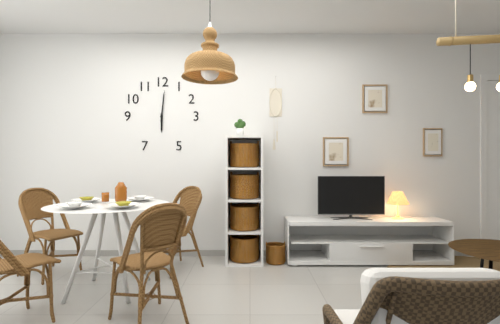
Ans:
6h01
